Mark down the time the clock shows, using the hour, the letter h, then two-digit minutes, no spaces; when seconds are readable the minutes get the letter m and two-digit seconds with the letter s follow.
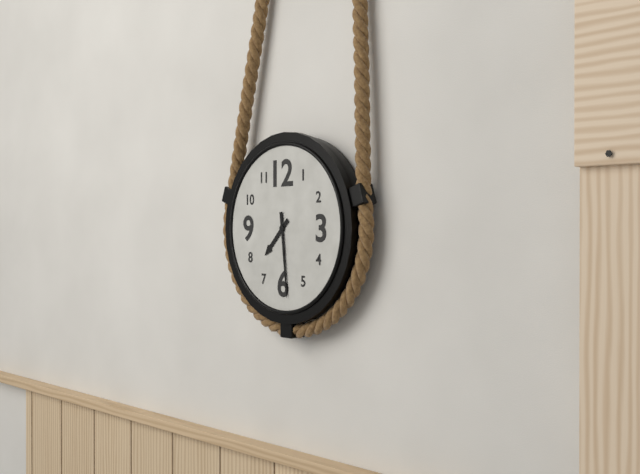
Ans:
7h29
